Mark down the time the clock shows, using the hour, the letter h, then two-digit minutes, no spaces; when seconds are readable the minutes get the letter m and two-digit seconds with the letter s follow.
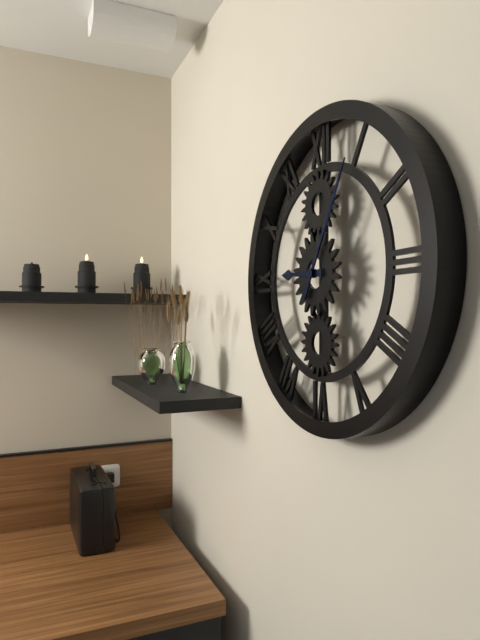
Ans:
9h05
